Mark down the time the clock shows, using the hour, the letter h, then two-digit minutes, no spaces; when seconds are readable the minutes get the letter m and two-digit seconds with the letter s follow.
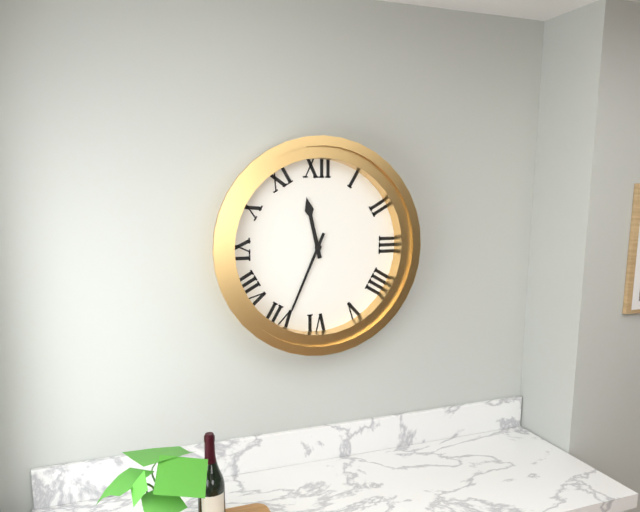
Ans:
11h34
